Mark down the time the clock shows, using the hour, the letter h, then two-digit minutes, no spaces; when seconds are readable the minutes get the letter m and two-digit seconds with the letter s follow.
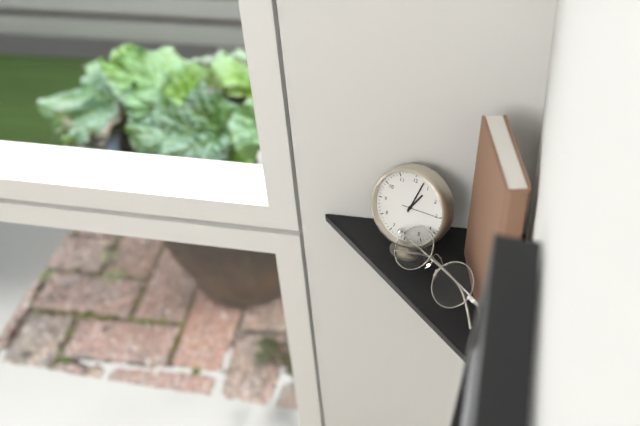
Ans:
1h03
